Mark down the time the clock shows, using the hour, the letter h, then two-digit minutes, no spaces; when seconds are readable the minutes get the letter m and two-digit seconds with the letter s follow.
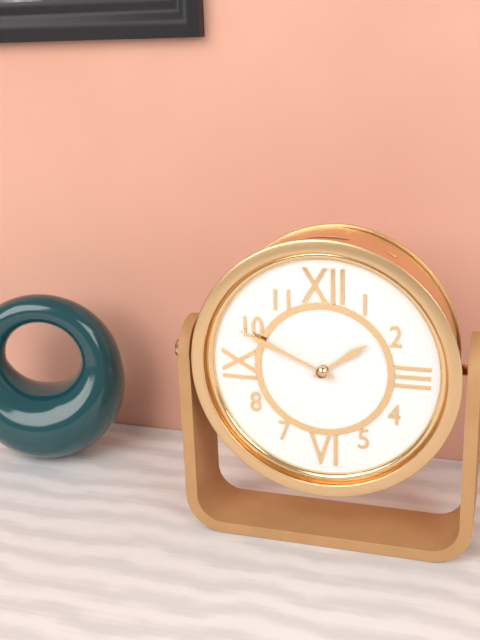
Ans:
1h49
